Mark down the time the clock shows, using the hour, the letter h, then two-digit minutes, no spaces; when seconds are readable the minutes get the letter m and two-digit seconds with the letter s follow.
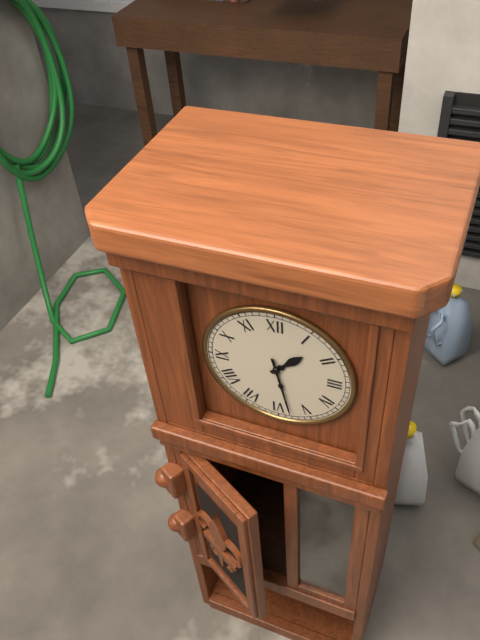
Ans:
1h28
